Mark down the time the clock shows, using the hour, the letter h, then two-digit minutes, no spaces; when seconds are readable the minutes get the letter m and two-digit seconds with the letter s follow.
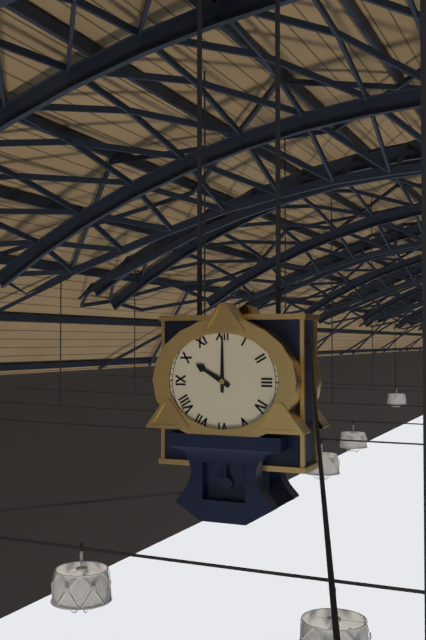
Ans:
10h00
